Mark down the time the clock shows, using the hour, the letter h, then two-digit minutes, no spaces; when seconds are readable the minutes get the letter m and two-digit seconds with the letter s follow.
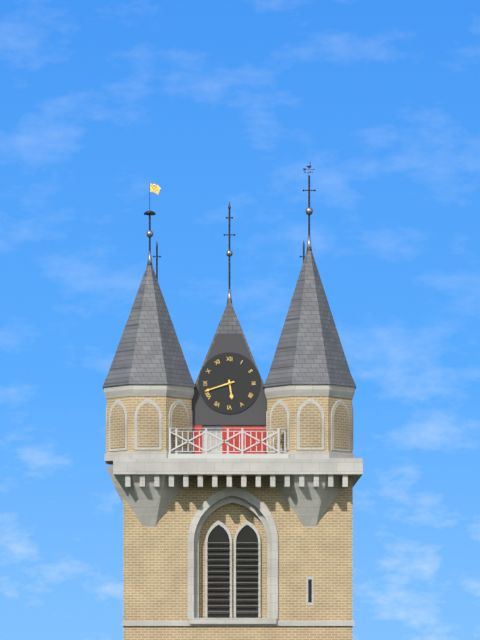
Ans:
5h42
